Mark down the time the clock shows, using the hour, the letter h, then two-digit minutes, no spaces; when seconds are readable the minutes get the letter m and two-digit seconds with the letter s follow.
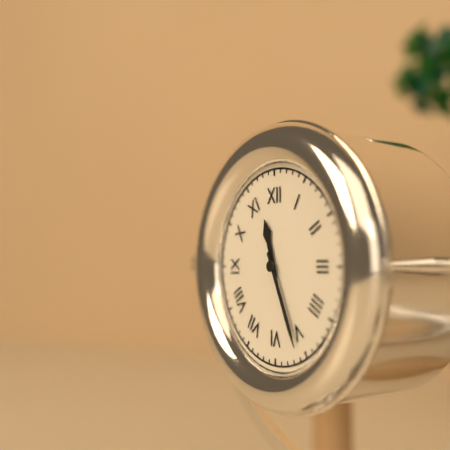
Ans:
11h26
